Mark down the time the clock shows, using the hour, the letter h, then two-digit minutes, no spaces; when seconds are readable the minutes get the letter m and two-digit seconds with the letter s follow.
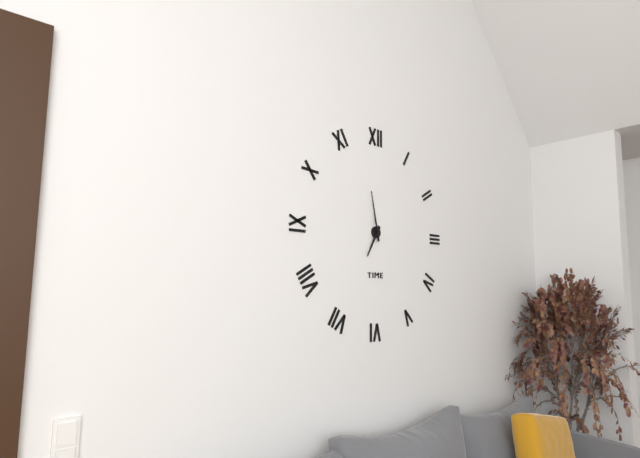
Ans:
6h58
